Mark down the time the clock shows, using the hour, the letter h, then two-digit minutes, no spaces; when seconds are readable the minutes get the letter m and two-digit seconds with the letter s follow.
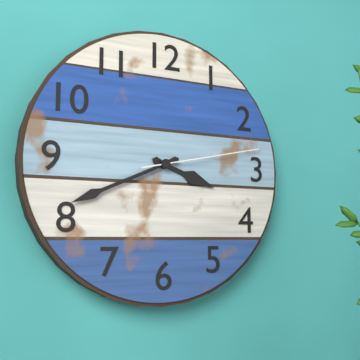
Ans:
3h41m13s
